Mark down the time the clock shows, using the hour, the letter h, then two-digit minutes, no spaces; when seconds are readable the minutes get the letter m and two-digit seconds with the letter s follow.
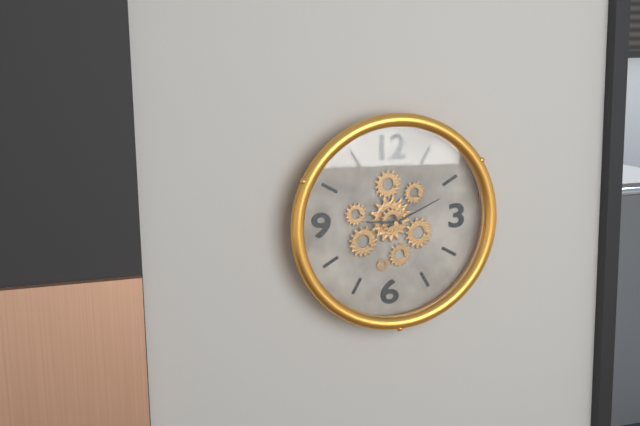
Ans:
9h11
